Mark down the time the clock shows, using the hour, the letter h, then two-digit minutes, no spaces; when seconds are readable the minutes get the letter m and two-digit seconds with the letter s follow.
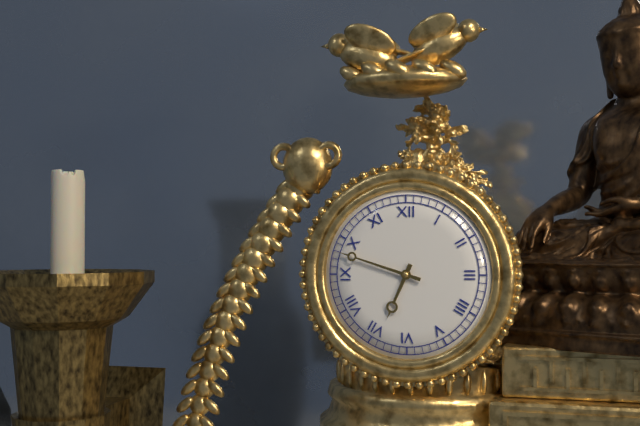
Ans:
6h48
